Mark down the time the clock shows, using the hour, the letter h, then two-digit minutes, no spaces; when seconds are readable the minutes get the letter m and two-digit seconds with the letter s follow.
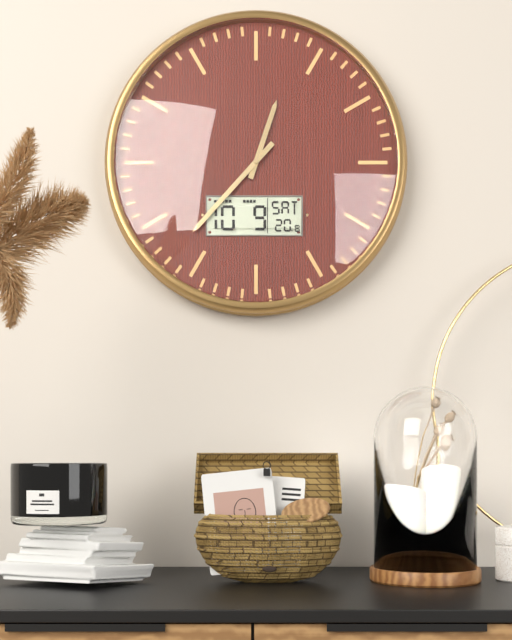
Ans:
12h37
